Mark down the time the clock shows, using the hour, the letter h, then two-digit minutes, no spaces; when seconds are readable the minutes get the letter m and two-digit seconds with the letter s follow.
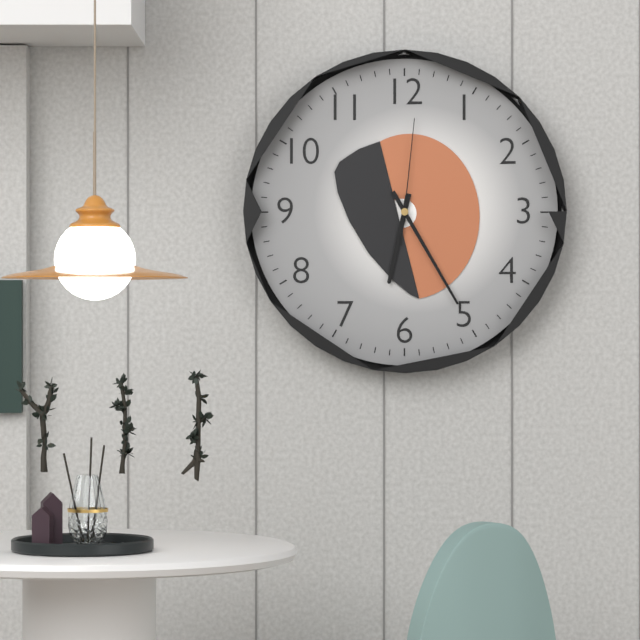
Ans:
6h25m01s
